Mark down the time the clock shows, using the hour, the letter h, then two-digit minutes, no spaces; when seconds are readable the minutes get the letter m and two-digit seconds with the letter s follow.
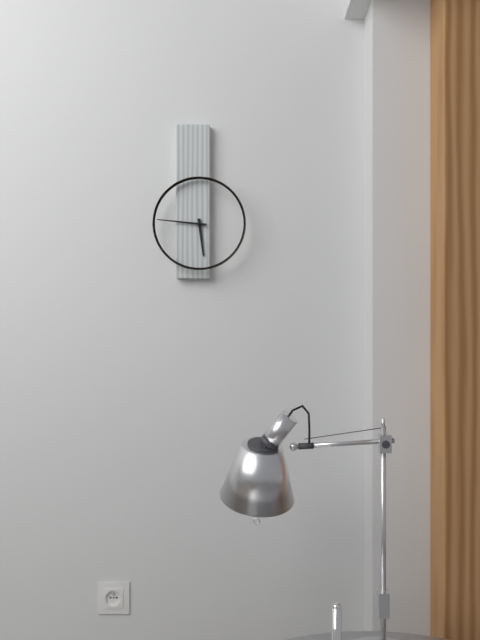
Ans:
5h46
